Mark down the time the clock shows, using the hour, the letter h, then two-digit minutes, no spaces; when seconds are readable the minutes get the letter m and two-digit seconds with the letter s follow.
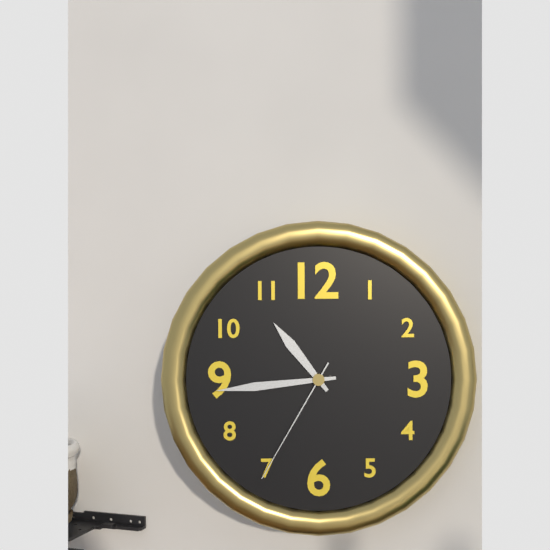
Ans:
10h44m35s
